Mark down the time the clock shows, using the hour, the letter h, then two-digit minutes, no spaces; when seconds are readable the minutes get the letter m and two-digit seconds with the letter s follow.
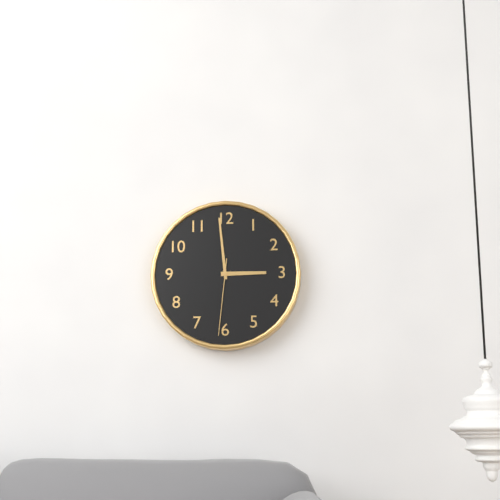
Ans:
2h59m31s
